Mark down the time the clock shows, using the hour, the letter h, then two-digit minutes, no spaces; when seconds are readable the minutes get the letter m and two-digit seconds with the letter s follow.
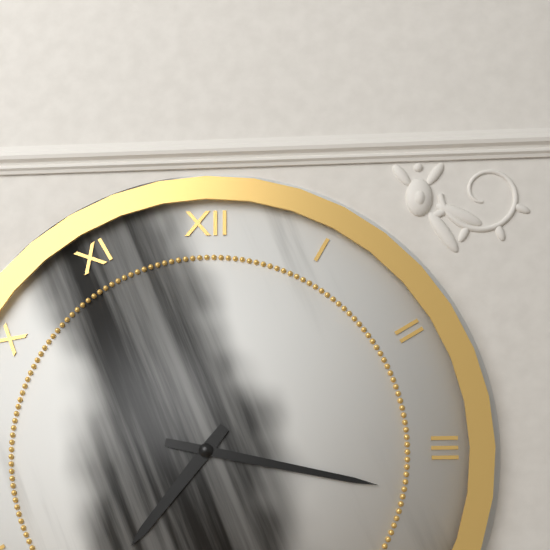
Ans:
7h17
